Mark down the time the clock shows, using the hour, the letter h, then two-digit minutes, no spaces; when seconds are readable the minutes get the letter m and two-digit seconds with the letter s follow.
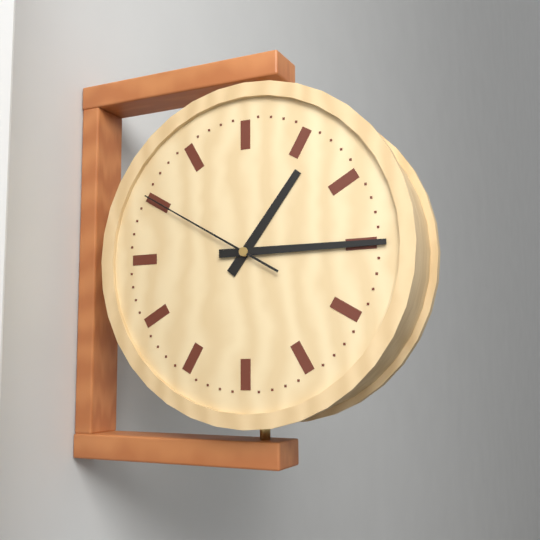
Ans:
1h15m50s
